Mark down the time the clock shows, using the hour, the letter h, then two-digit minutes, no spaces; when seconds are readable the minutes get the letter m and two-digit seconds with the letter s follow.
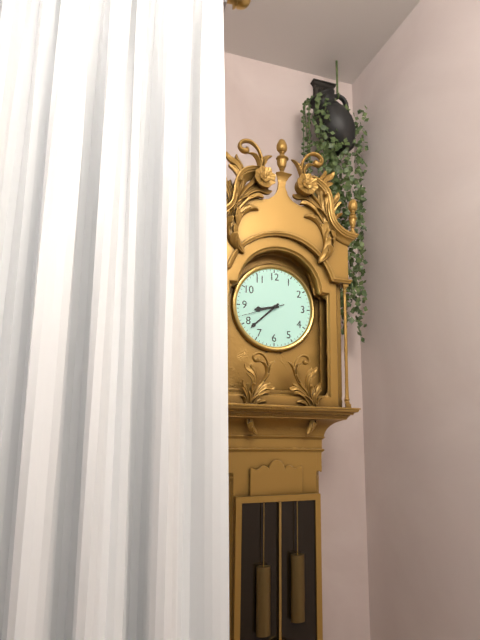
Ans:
8h38
